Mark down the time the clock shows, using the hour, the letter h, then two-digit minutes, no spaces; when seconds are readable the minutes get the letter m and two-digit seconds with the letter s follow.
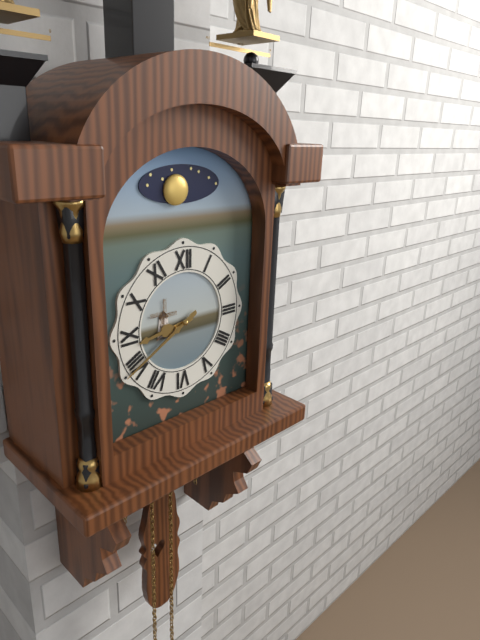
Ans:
8h40
